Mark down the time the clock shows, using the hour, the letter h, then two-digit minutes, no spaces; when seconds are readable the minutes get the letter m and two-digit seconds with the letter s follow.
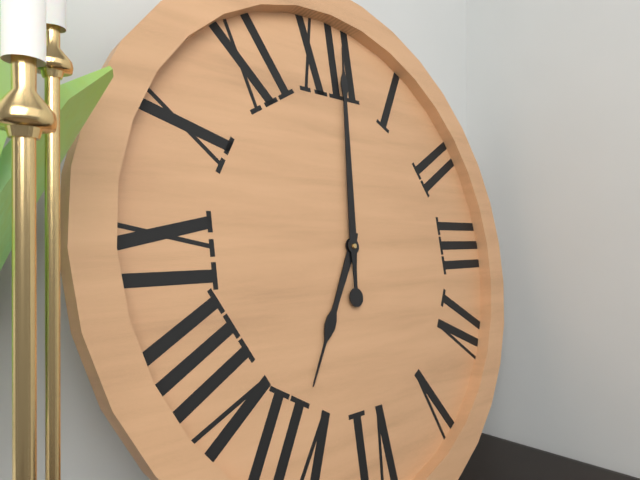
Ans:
7h01
